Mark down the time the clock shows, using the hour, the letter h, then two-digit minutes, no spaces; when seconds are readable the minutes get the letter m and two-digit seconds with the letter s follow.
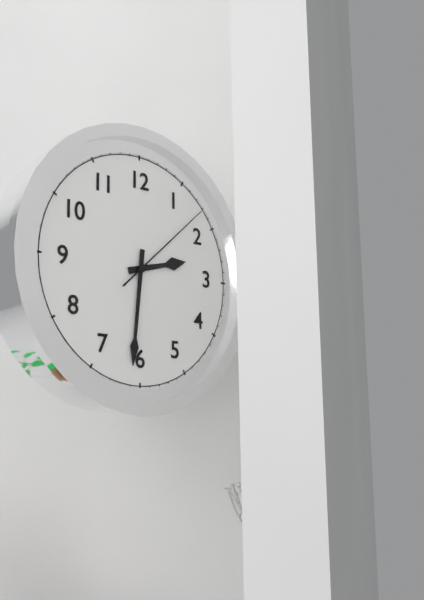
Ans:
2h31m08s
